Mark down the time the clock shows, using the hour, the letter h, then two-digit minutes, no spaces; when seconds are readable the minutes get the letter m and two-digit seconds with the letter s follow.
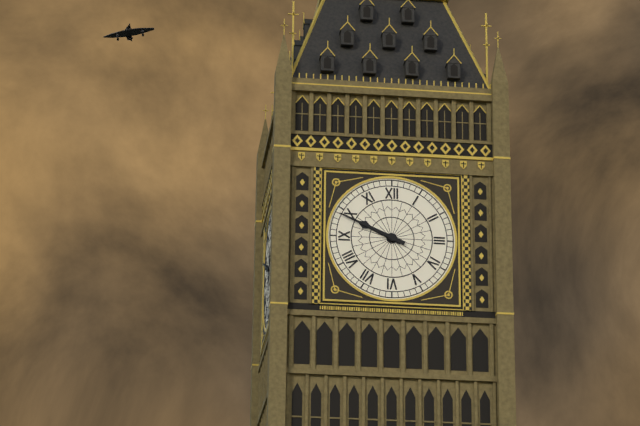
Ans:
9h49
